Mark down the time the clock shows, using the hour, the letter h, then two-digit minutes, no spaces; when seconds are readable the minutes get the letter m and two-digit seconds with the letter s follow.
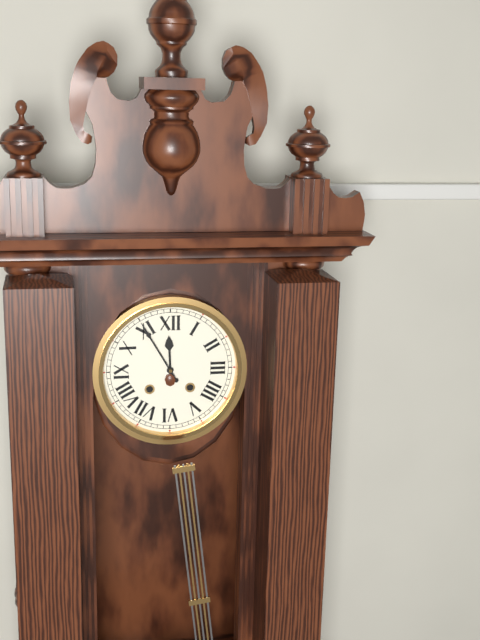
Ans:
11h55
